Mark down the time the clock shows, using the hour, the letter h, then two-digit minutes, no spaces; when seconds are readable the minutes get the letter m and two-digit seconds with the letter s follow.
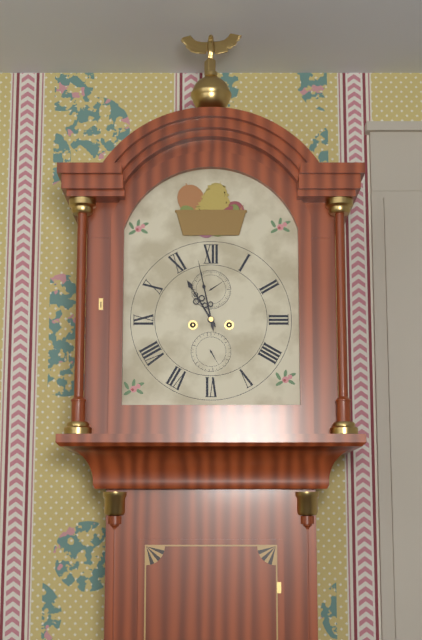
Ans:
10h58
